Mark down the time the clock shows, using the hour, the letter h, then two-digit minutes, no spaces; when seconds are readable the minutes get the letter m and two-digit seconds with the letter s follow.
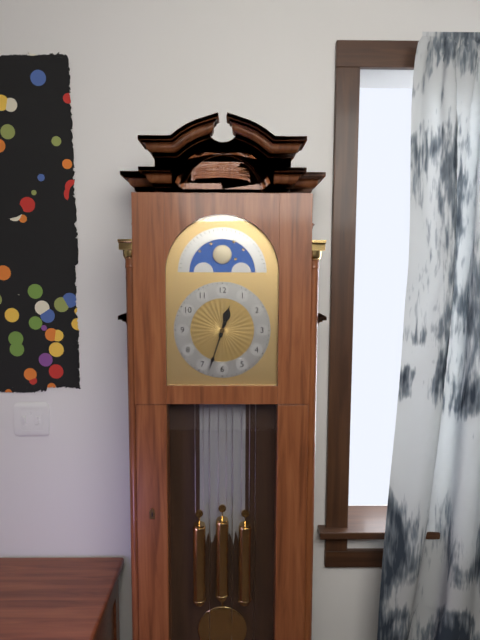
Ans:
12h33
